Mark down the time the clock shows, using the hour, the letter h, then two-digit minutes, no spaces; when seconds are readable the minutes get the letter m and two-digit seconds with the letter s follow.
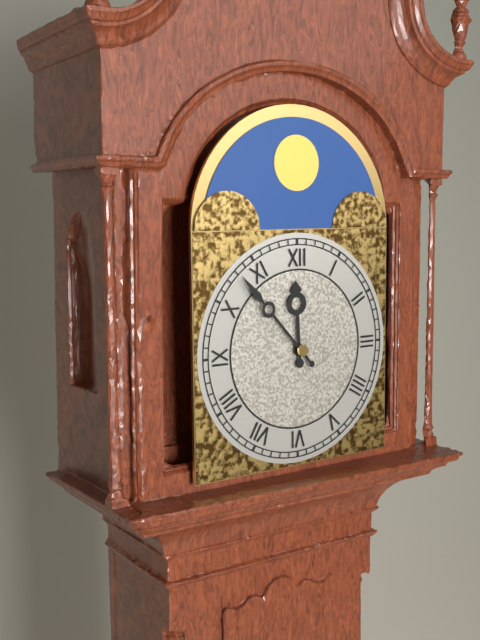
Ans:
11h53
